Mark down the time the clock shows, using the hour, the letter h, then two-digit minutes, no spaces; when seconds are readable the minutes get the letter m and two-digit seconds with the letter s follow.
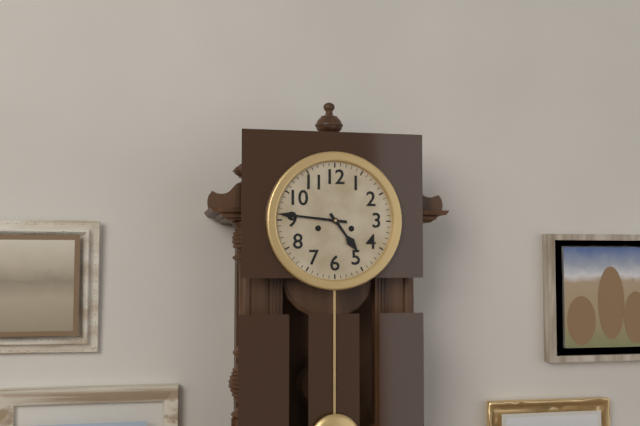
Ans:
4h46
